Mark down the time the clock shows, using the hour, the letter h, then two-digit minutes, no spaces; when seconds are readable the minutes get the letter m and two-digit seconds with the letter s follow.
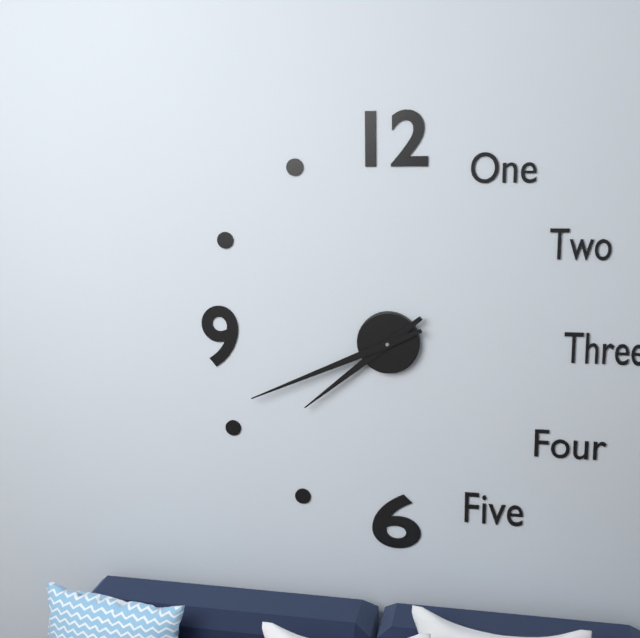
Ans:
7h41
